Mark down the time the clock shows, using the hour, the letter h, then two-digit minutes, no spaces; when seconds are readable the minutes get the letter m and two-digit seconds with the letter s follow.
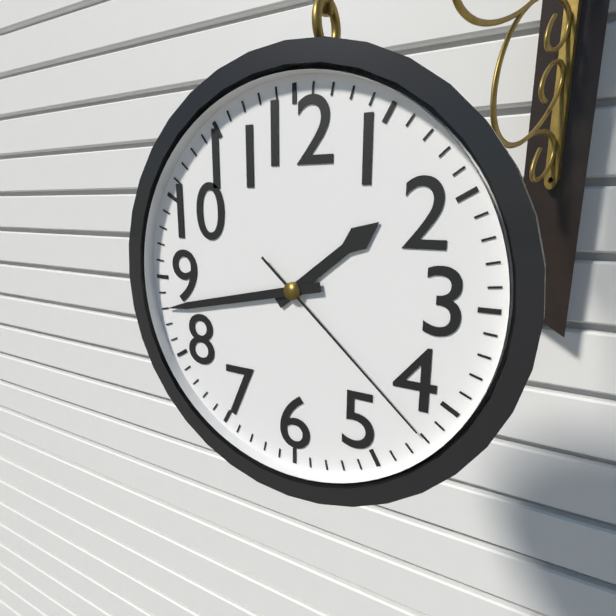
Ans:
1h43m22s
